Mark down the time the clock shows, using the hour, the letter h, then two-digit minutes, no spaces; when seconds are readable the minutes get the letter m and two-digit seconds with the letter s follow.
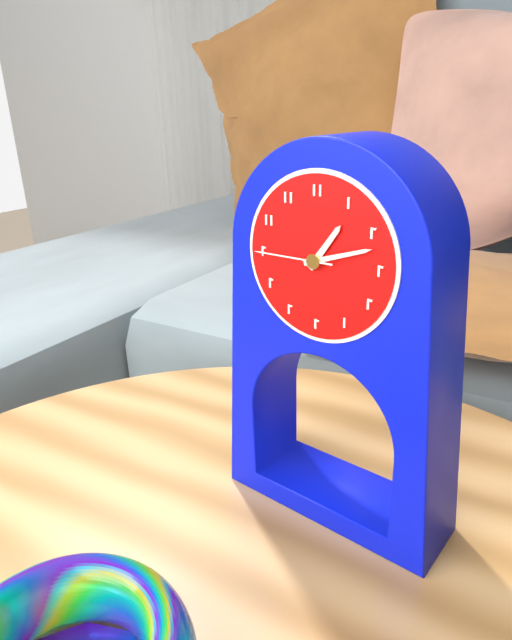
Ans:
1h12m45s
